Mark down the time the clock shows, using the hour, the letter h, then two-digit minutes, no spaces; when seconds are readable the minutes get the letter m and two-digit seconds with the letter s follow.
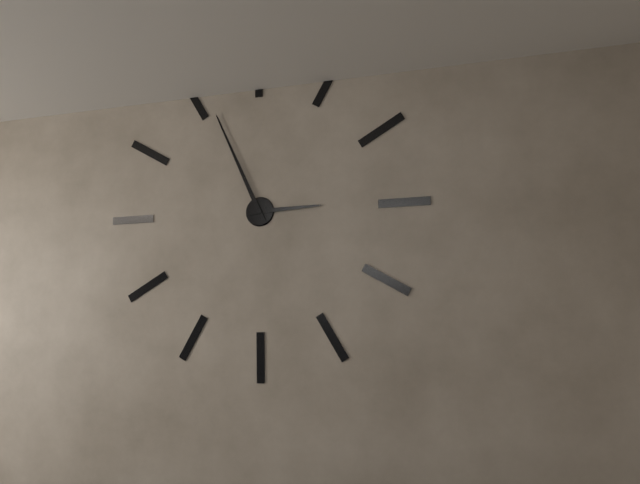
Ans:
2h56
